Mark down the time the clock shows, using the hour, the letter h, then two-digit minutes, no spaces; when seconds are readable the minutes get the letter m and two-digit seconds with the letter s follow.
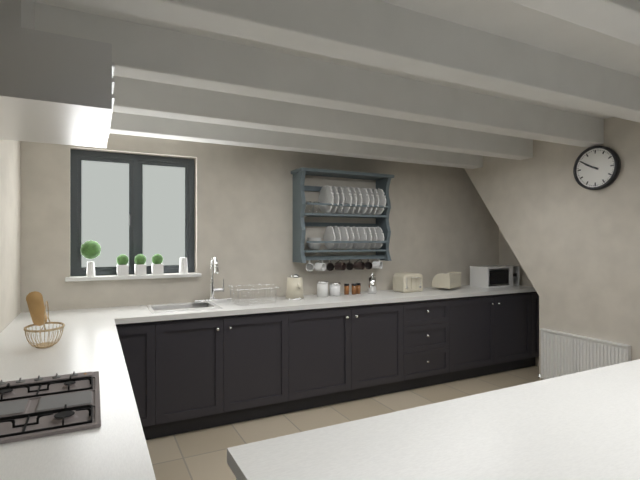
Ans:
9h50
